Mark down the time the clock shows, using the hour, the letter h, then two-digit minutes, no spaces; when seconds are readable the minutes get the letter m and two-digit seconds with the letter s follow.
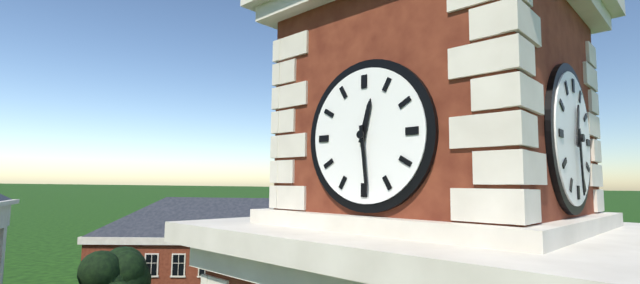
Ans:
12h29
